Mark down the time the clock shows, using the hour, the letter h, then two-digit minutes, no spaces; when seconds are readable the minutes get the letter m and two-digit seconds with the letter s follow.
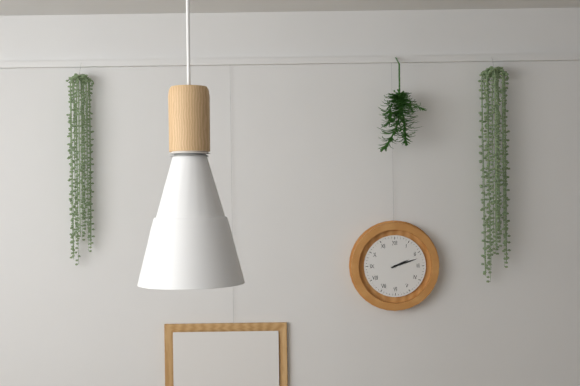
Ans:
2h12
